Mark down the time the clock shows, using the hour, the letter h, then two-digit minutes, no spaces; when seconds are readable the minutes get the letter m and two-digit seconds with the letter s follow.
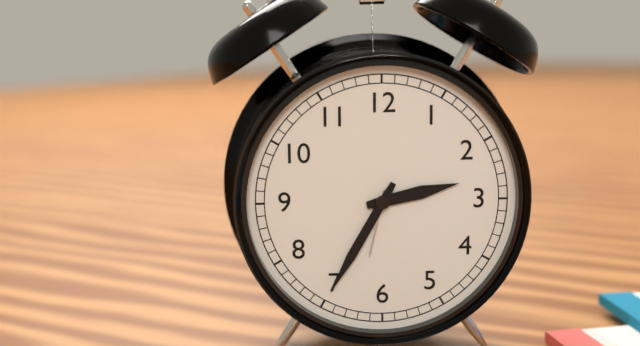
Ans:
2h35
